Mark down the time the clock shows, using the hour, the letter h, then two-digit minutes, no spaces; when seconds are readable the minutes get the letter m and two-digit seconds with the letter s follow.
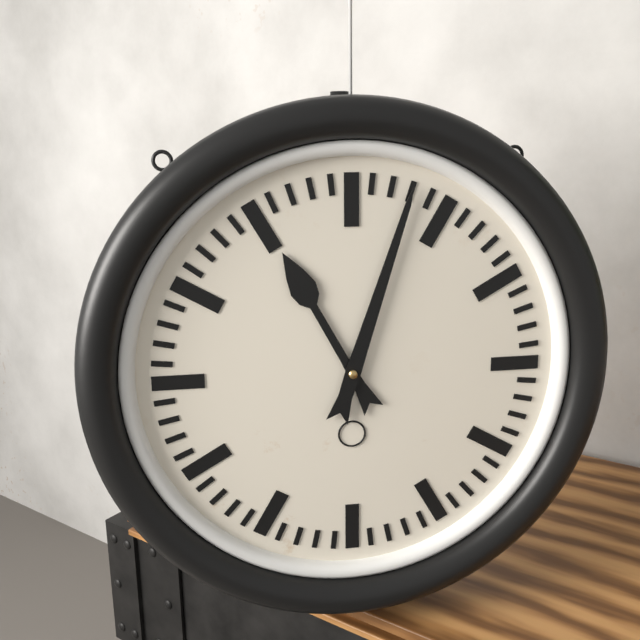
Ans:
11h03
